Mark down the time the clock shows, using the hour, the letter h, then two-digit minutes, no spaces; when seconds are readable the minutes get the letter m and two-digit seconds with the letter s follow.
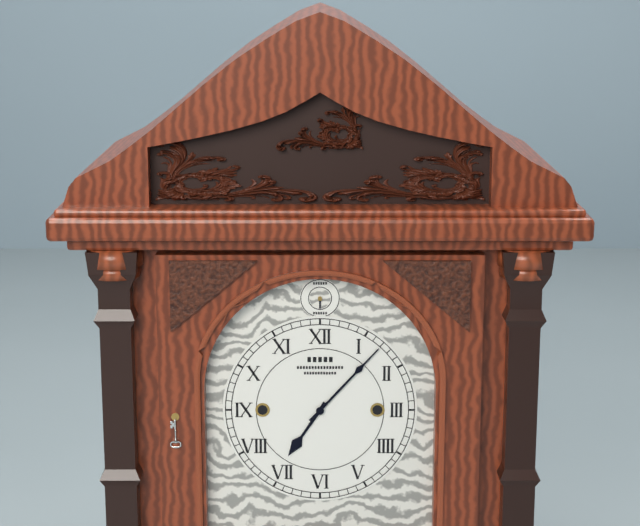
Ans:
7h07
